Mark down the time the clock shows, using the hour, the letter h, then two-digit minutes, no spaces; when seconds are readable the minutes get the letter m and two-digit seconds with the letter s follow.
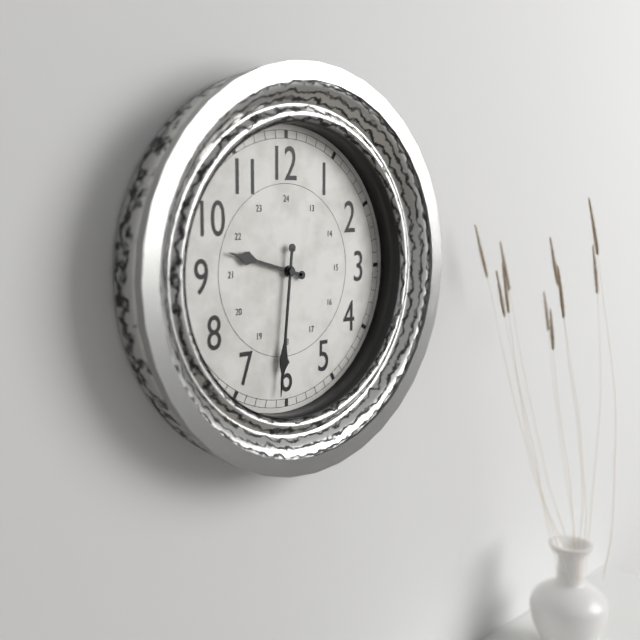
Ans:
9h31
